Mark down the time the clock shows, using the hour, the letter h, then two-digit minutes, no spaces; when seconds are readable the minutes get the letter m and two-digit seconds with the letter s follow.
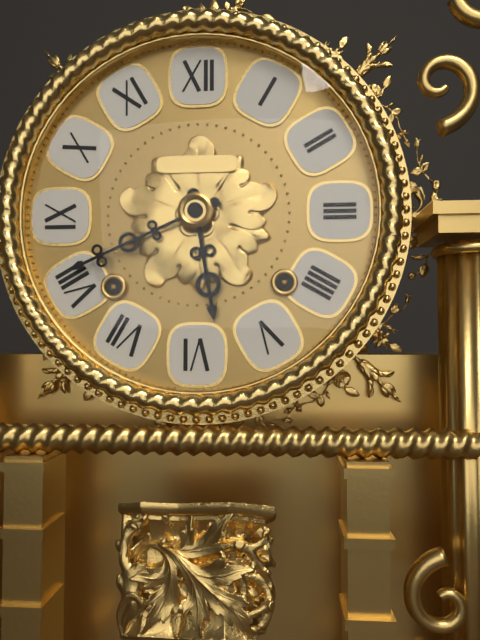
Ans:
5h41
